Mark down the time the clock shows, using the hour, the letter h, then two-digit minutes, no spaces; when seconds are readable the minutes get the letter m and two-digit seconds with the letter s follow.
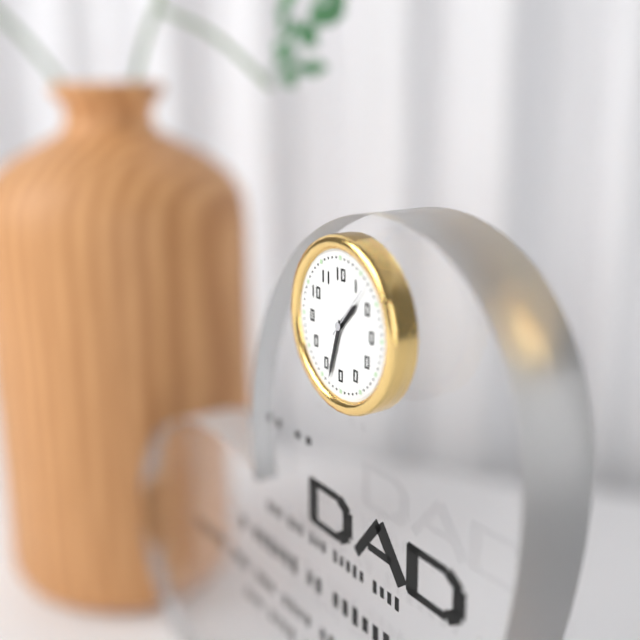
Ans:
1h33m07s
